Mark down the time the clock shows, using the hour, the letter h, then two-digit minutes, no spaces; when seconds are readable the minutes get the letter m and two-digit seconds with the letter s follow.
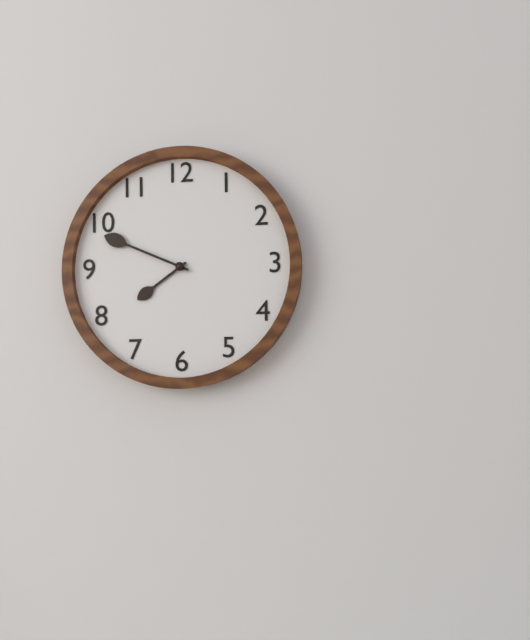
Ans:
7h49
